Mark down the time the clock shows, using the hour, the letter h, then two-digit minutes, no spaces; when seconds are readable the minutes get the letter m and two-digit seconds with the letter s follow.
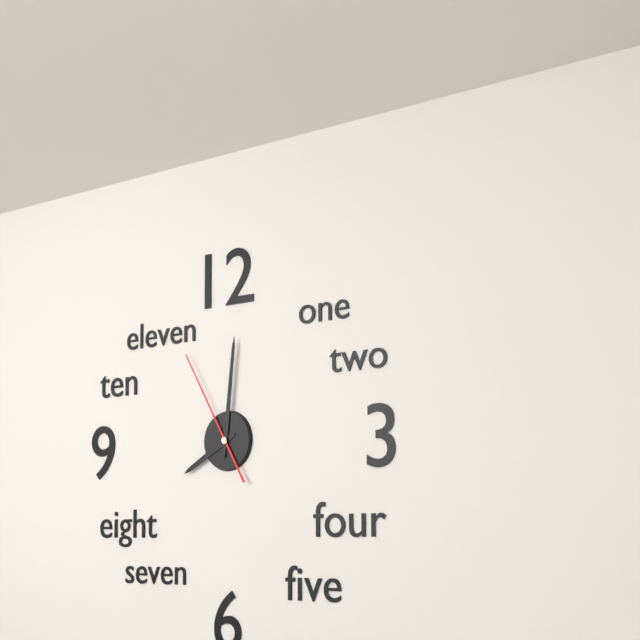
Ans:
8h01m55s
